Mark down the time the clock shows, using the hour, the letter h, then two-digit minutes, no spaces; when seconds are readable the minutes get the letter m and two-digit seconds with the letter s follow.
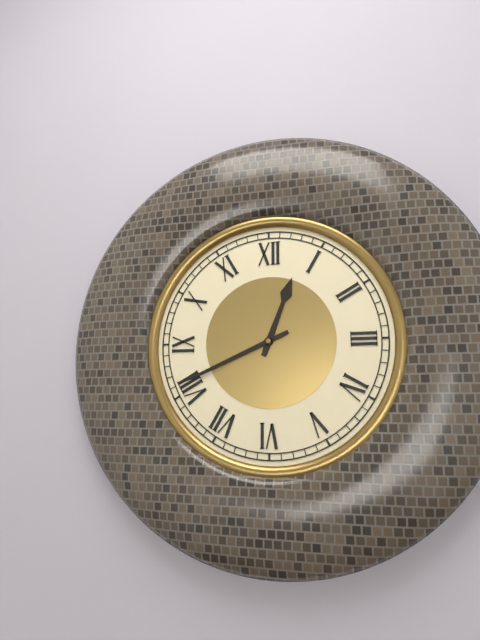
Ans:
12h41
